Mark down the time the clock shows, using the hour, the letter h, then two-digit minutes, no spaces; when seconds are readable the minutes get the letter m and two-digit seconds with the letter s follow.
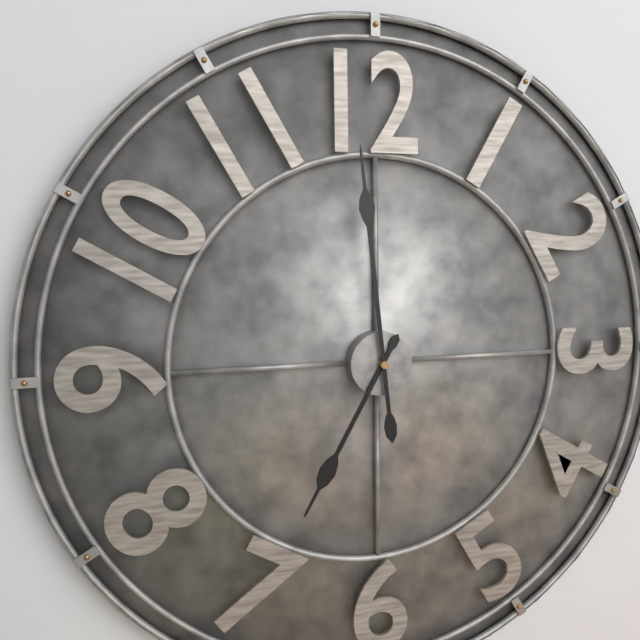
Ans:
6h59
